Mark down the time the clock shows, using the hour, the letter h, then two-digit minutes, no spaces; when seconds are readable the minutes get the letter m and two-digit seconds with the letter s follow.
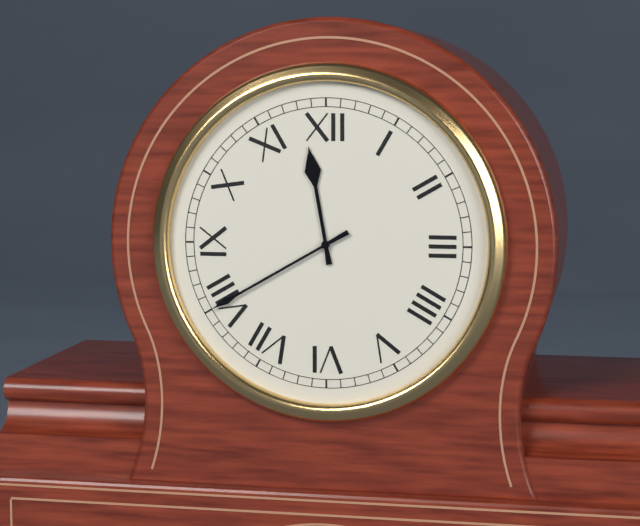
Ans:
11h40
